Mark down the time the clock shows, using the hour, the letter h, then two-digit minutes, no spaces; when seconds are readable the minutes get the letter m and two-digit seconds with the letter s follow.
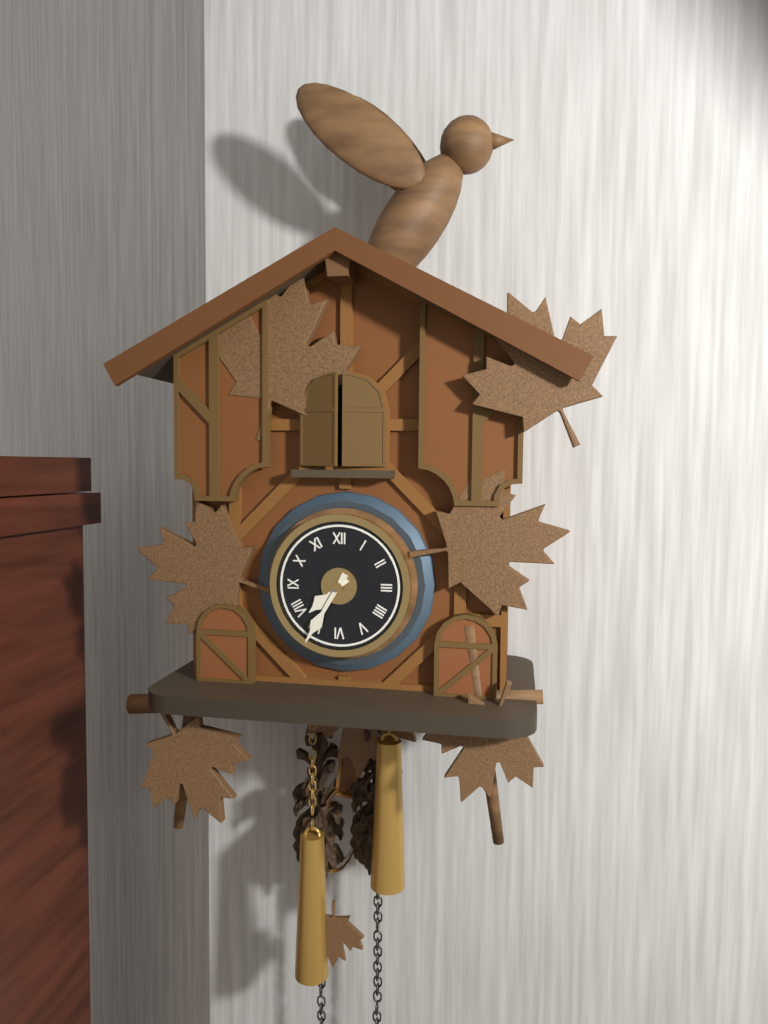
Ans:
7h35
